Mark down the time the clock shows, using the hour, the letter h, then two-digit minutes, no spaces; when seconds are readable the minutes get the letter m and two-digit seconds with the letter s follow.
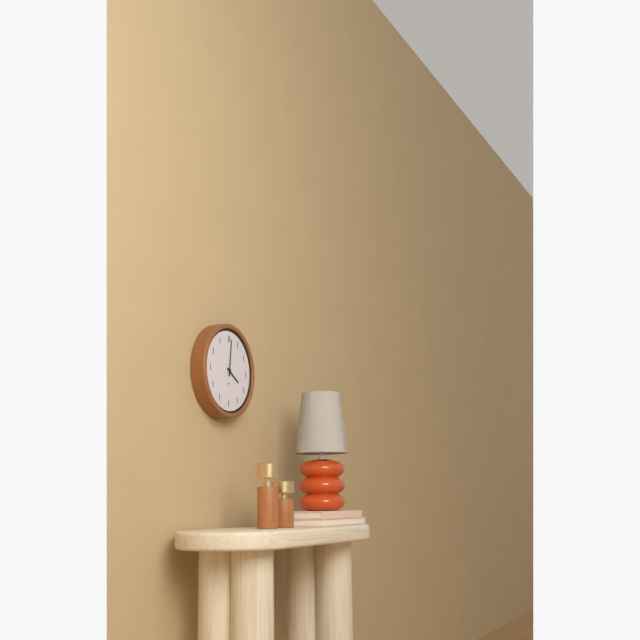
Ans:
4h01
